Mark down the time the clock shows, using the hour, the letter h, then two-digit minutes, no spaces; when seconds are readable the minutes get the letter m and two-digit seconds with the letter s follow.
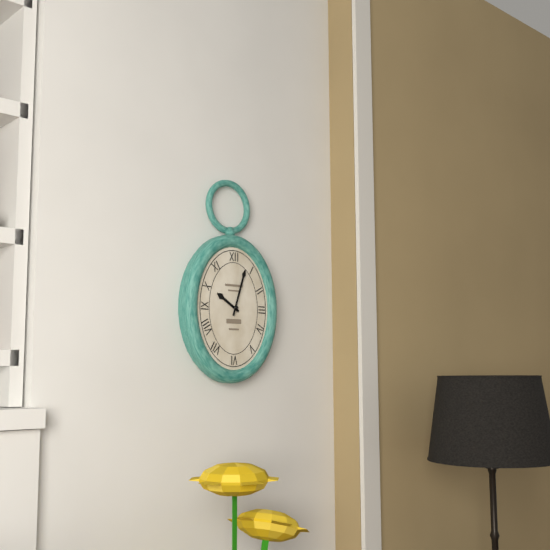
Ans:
10h03
